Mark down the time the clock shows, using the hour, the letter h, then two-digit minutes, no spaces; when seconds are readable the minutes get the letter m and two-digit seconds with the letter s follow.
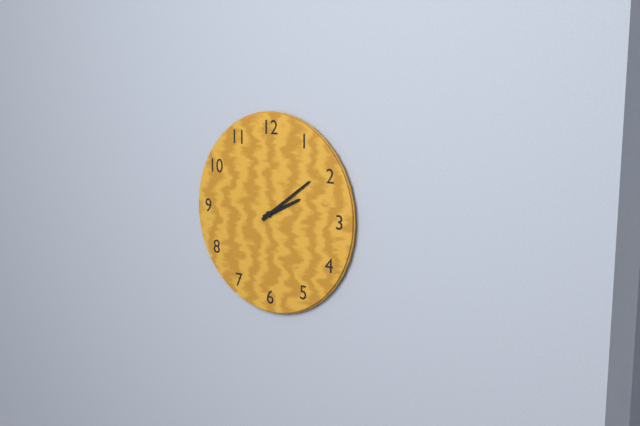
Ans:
2h09
